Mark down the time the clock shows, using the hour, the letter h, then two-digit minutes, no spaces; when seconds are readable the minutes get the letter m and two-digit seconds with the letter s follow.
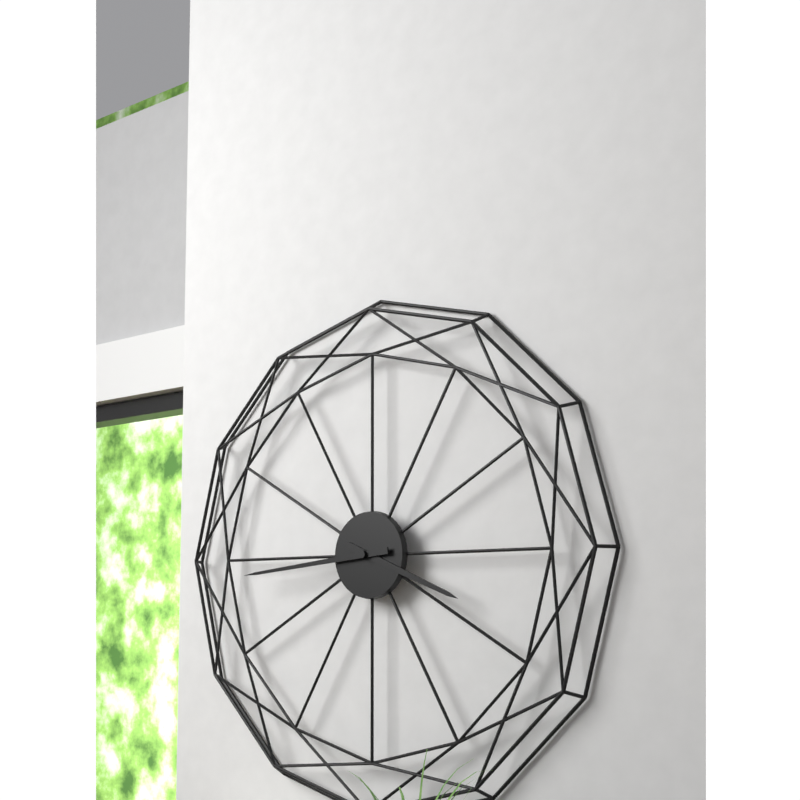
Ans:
3h44
